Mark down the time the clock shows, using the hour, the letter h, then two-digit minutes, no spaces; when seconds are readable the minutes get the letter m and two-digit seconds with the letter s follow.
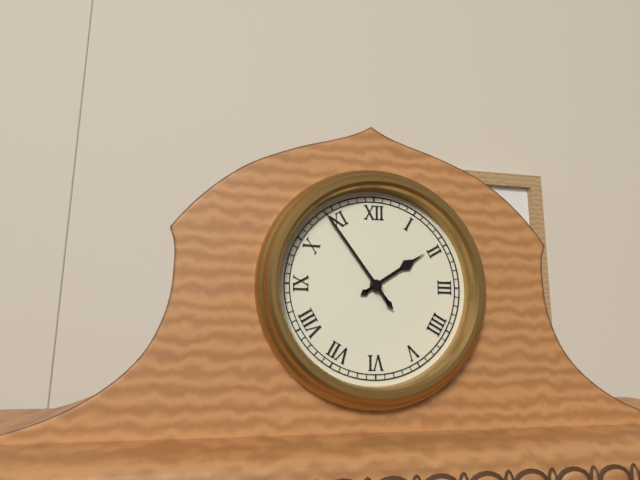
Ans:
1h54
